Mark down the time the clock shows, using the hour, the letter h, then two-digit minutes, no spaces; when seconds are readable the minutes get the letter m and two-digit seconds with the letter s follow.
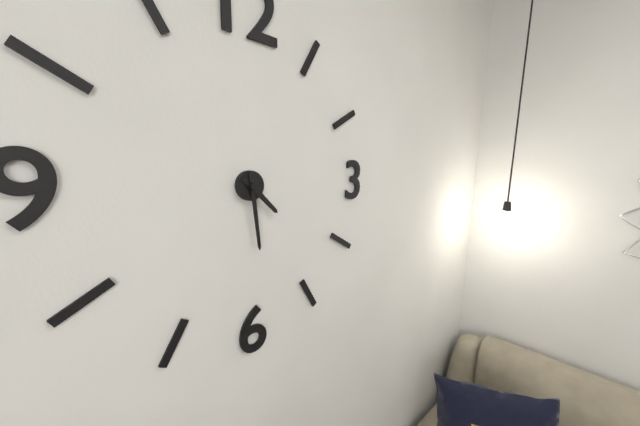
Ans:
4h29
